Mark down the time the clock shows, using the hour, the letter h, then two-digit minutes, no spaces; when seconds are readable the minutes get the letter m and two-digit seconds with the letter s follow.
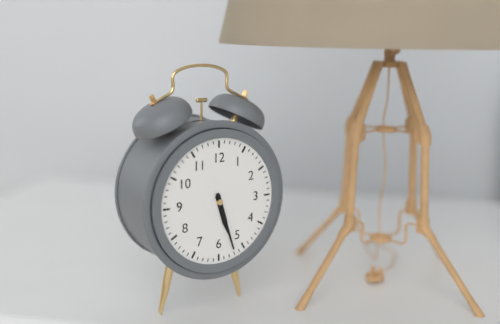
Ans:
5h27
